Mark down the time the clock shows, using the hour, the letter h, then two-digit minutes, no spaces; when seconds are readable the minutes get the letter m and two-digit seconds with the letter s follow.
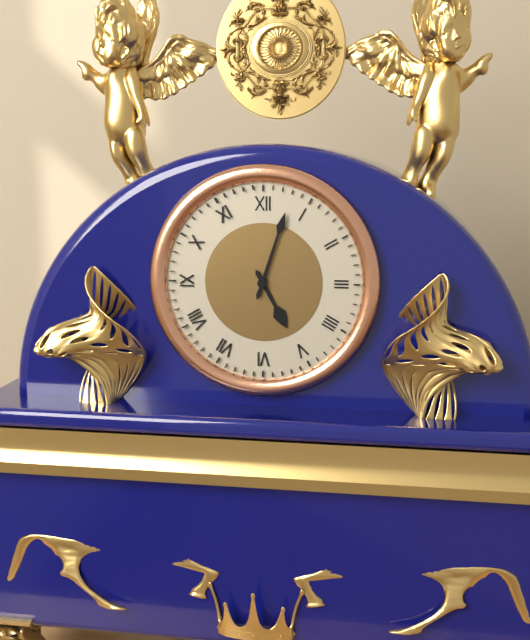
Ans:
5h03
